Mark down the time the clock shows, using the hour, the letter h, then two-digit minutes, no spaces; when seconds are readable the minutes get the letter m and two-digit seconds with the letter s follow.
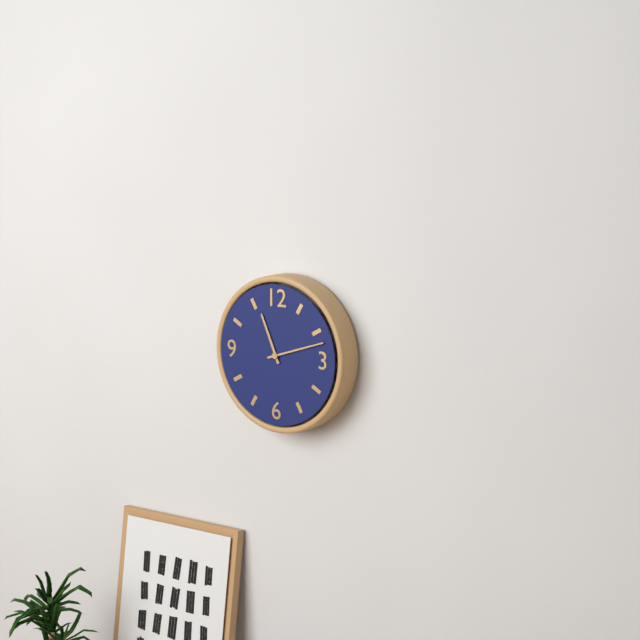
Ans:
11h12
